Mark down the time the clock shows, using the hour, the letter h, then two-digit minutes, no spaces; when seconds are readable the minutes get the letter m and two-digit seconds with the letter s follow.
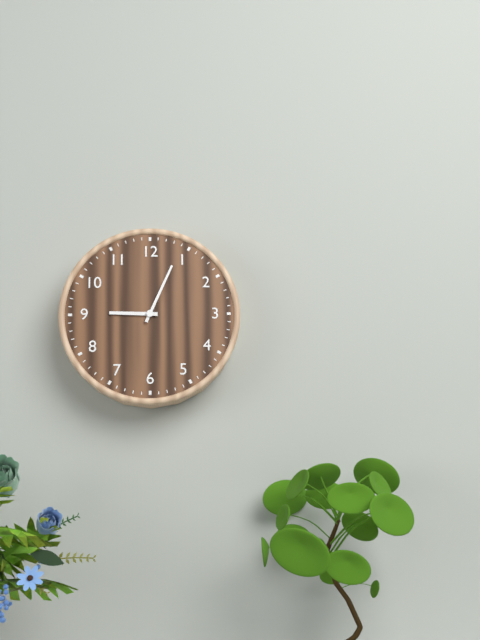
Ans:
9h04
